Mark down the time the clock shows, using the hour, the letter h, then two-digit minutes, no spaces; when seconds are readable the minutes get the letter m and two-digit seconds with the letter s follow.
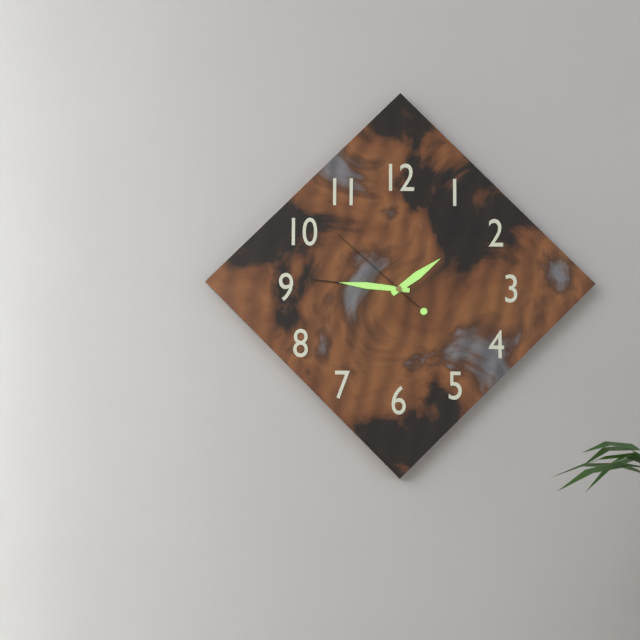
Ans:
1h46m52s
